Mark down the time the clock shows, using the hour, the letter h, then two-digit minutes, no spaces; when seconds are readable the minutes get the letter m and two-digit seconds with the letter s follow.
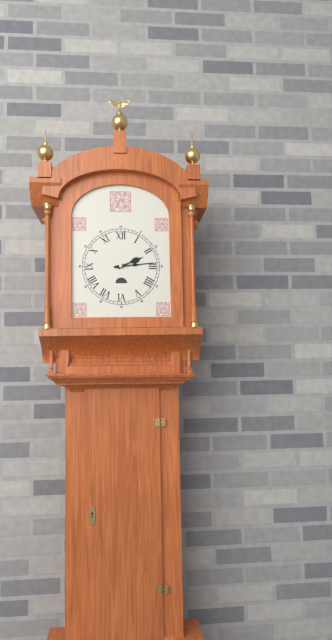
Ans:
2h14
